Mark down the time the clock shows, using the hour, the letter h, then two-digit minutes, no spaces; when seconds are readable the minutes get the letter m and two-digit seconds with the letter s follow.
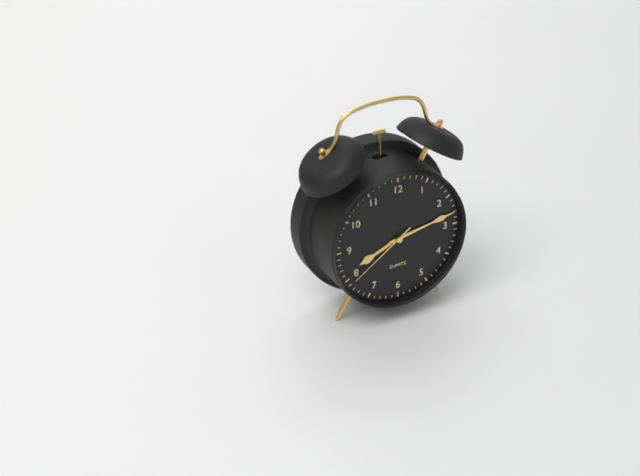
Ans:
8h13m39s
